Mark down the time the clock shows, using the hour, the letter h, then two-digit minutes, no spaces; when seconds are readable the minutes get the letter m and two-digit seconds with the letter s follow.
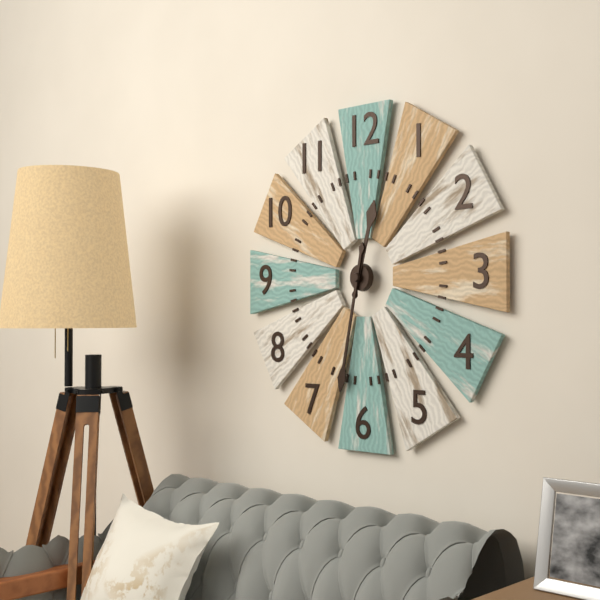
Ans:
12h32
